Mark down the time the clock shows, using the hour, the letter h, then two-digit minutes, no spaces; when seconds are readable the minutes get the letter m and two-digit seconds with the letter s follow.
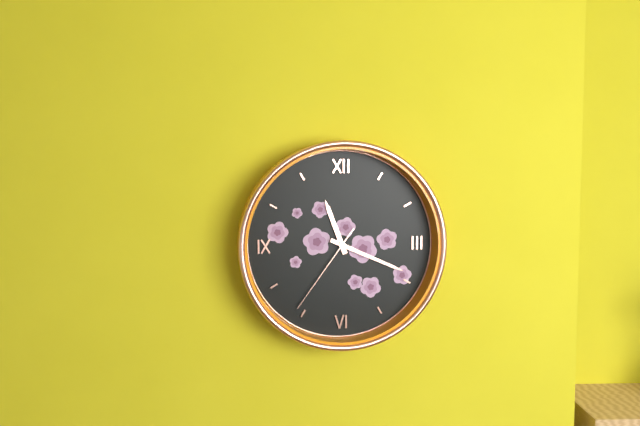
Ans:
11h19m36s
